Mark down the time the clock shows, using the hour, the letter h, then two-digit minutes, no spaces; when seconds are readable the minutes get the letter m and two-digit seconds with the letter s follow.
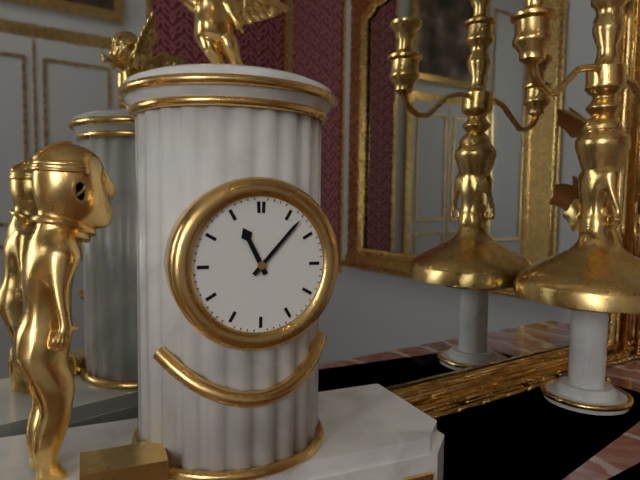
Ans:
11h07
